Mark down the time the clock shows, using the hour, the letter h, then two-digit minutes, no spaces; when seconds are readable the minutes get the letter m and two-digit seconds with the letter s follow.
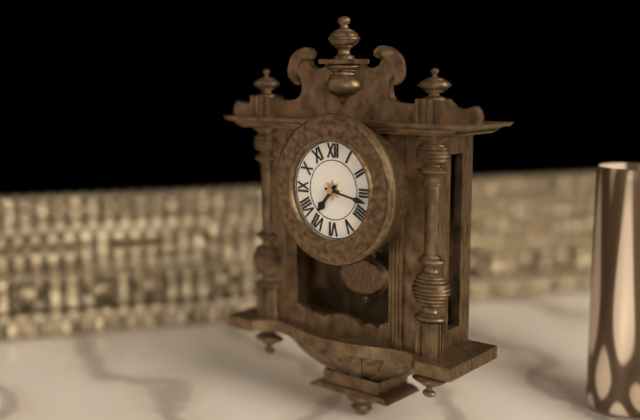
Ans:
7h17
